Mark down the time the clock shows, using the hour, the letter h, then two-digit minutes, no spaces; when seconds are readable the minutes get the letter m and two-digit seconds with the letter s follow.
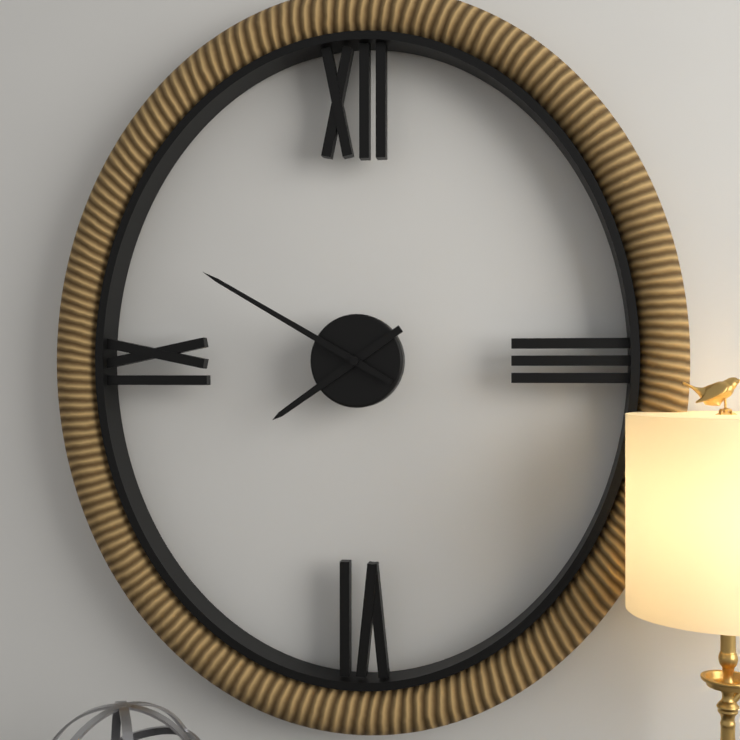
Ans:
7h50
